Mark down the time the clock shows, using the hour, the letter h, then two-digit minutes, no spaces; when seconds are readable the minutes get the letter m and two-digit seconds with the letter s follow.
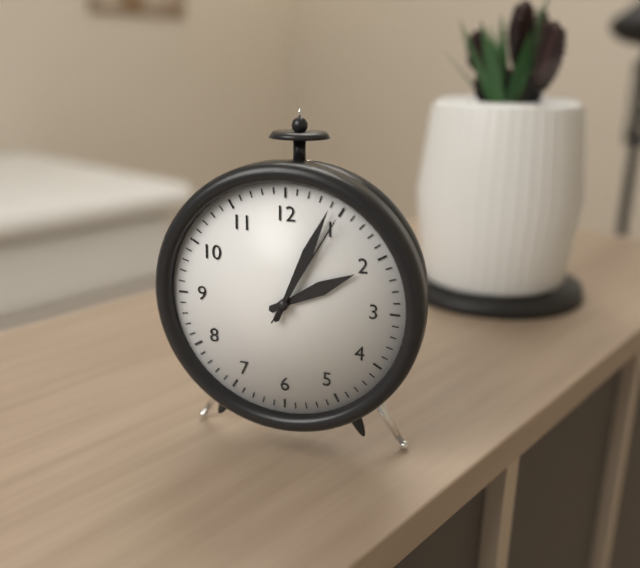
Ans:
2h04m05s
